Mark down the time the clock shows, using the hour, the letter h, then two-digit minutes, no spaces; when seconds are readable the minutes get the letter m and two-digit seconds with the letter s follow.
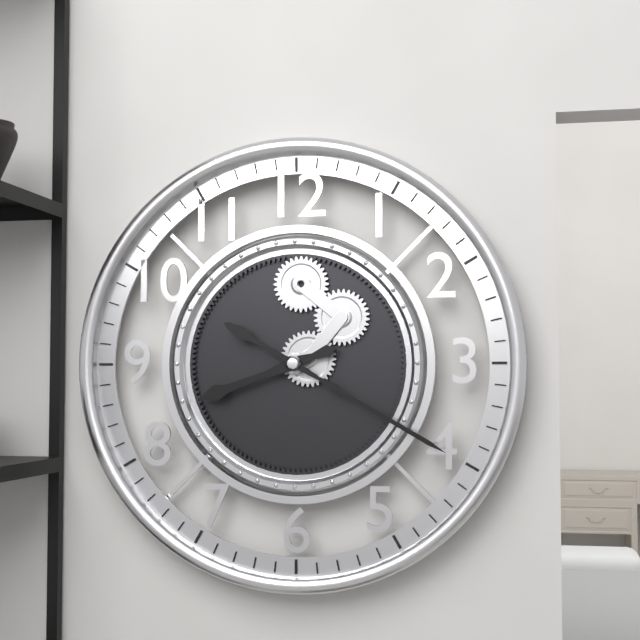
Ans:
8h20
